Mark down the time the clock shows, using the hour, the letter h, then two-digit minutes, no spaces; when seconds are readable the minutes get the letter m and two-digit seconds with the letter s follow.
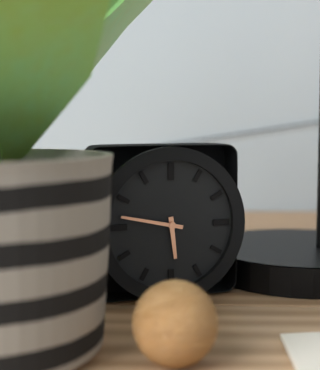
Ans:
5h47
